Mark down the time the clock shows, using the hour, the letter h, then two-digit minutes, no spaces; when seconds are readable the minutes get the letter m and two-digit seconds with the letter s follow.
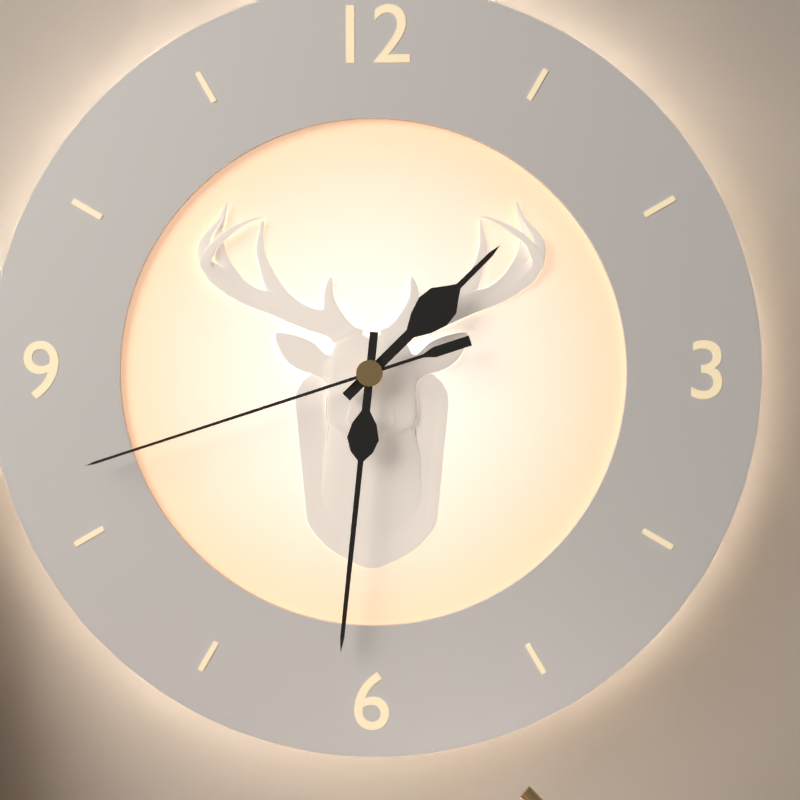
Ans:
1h31m42s
